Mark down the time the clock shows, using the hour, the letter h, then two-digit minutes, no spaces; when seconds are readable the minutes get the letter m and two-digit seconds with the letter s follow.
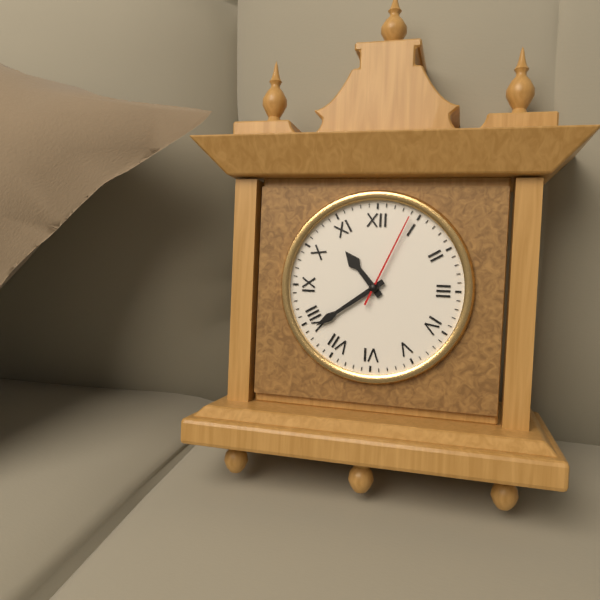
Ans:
10h39m04s
